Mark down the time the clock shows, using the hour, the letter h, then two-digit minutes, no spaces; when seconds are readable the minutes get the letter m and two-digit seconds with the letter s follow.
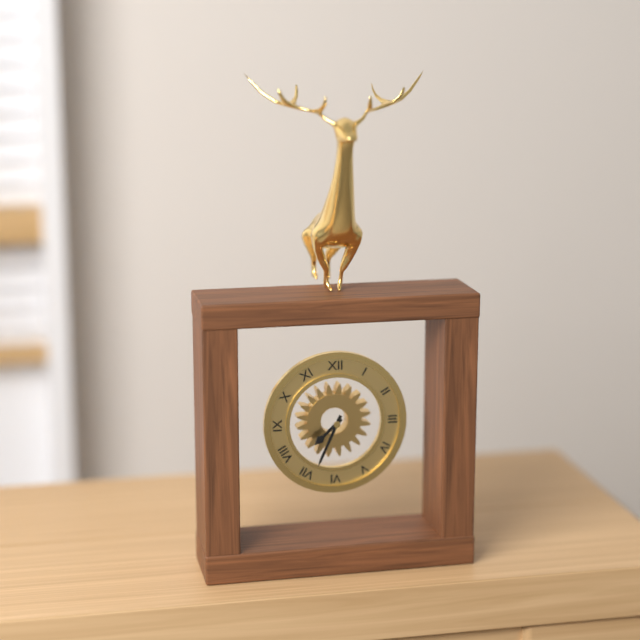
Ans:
7h34
